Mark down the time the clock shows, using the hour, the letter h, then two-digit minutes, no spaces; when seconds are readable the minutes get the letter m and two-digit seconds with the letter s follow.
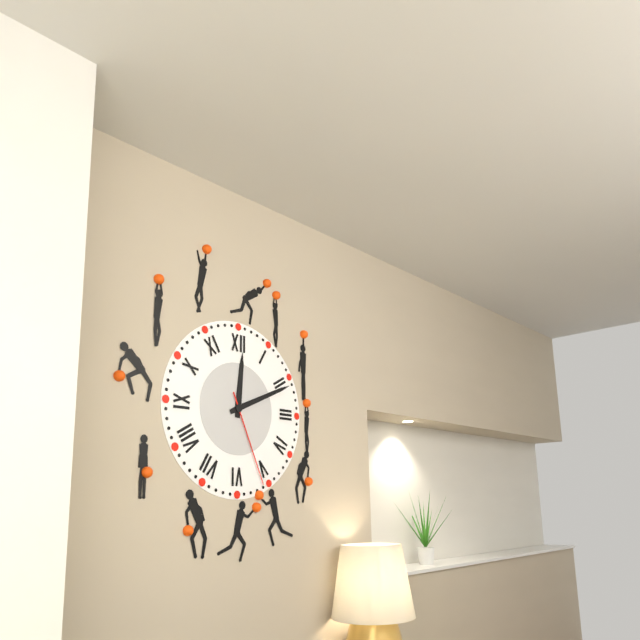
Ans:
12h11m26s
